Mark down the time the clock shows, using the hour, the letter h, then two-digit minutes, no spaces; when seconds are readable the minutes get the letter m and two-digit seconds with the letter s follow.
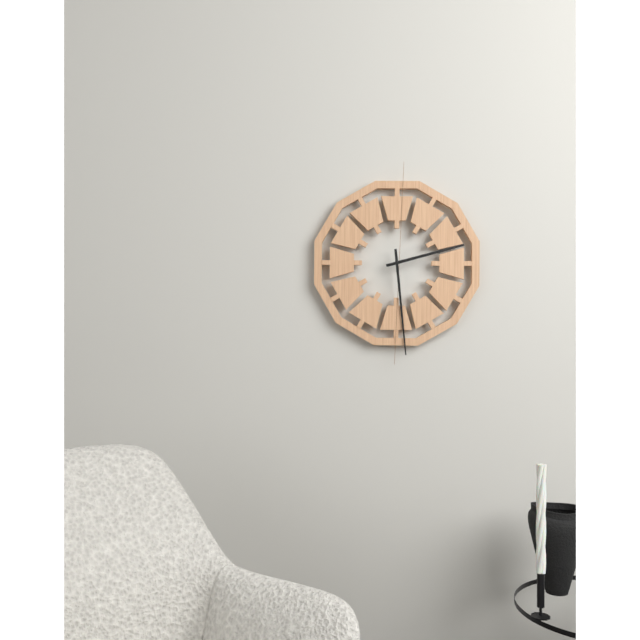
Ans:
2h29
